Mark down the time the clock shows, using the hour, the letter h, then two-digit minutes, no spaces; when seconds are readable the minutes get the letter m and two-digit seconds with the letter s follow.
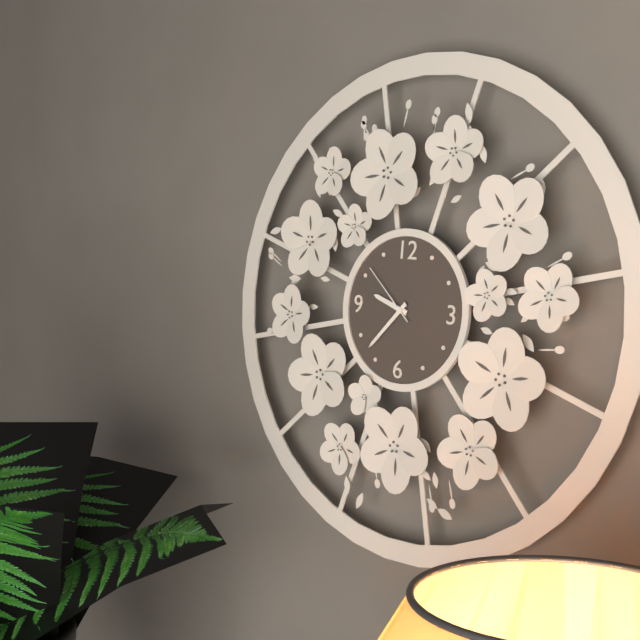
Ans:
9h37m52s
